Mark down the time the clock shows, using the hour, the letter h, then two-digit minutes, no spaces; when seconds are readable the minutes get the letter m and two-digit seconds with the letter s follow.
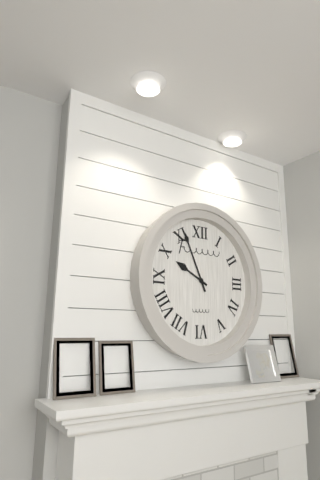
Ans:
9h56
